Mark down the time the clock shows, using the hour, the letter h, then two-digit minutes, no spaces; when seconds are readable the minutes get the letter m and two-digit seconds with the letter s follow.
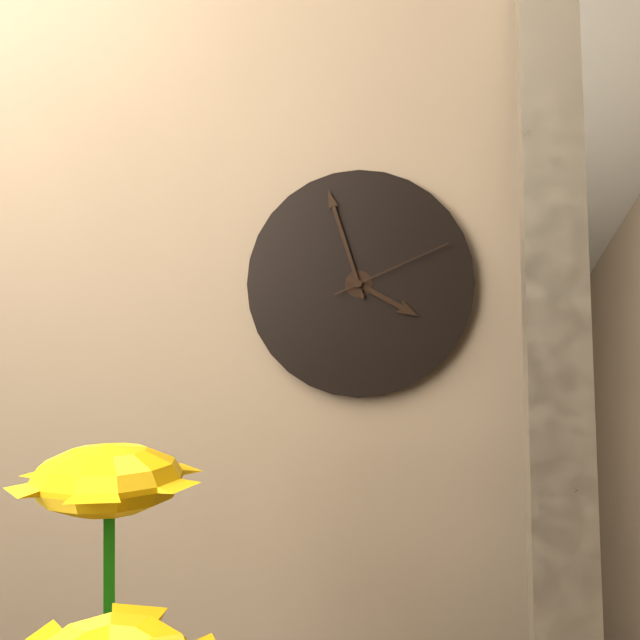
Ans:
3h57m11s
